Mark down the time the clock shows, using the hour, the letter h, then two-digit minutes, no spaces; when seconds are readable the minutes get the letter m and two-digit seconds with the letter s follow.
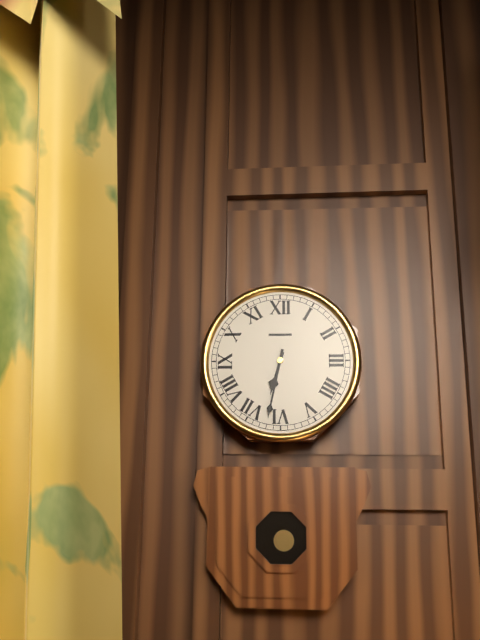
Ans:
6h32
